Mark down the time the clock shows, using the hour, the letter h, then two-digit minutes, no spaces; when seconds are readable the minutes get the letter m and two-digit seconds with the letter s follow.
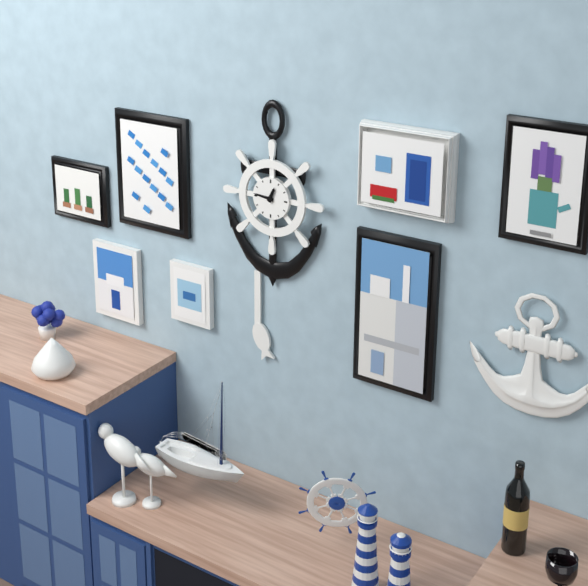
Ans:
12h46
